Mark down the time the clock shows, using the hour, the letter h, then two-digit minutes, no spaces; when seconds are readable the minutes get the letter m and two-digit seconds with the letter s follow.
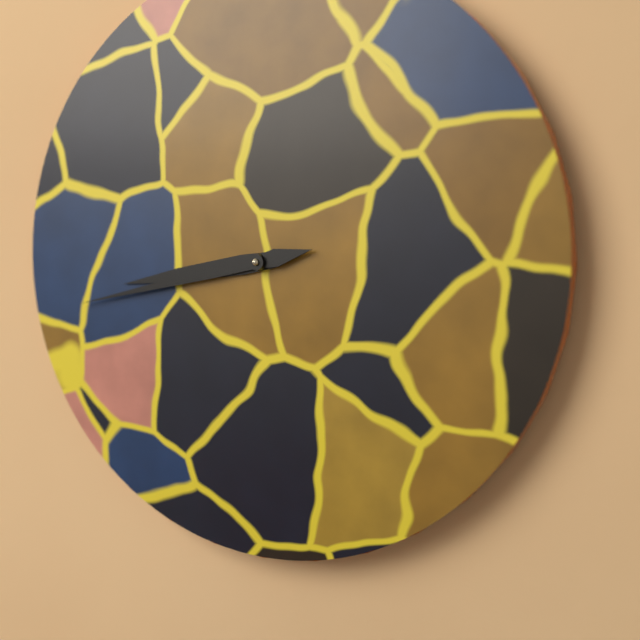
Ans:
8h43
